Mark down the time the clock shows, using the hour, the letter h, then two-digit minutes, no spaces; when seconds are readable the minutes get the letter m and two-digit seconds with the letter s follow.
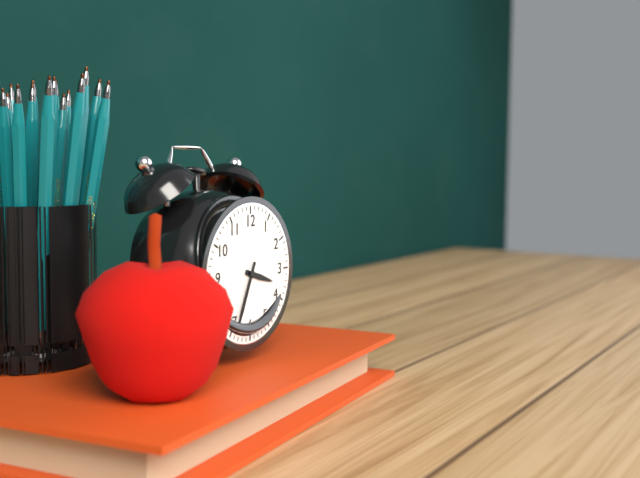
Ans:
3h34
